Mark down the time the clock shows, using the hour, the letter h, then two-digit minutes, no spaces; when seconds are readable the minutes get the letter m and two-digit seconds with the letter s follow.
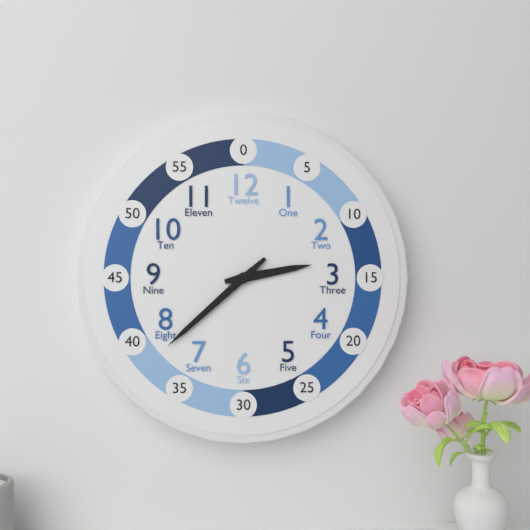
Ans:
2h38
